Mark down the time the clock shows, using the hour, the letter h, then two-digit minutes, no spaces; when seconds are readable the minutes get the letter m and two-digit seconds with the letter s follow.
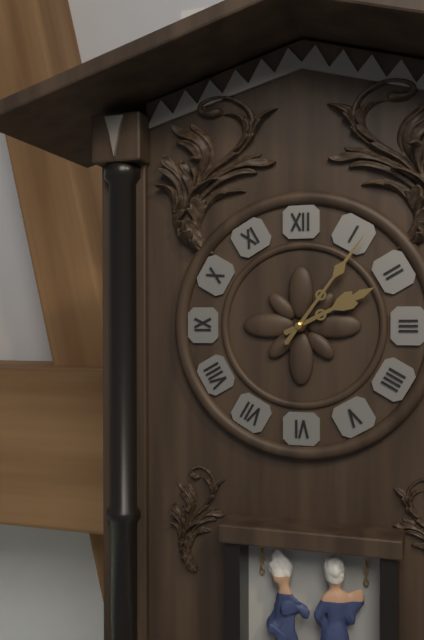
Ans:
2h06
